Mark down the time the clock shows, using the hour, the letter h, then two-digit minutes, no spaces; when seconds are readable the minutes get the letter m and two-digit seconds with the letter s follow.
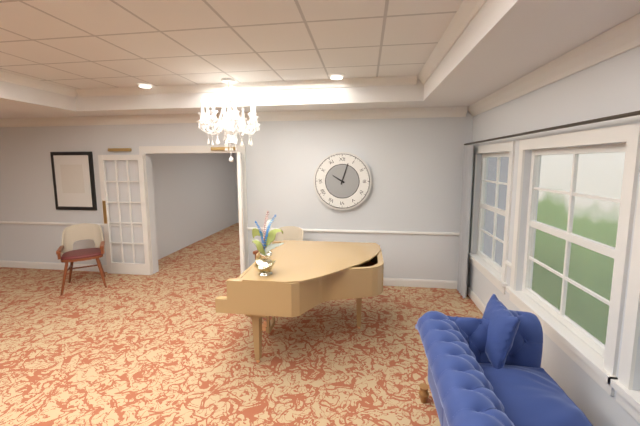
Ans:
10h03
